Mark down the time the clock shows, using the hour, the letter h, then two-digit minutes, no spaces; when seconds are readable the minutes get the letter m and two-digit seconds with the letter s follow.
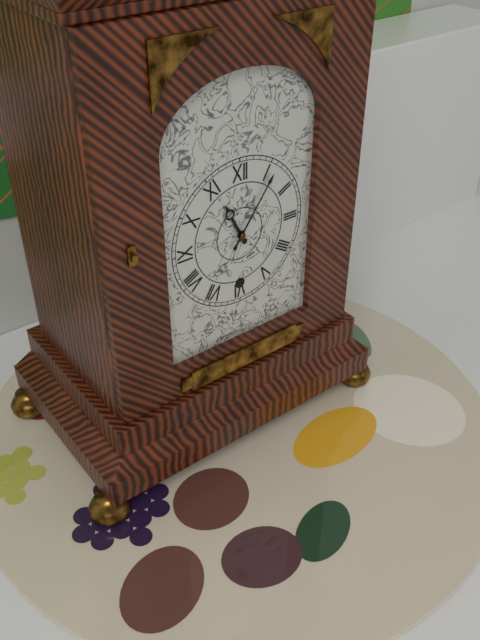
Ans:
11h06
